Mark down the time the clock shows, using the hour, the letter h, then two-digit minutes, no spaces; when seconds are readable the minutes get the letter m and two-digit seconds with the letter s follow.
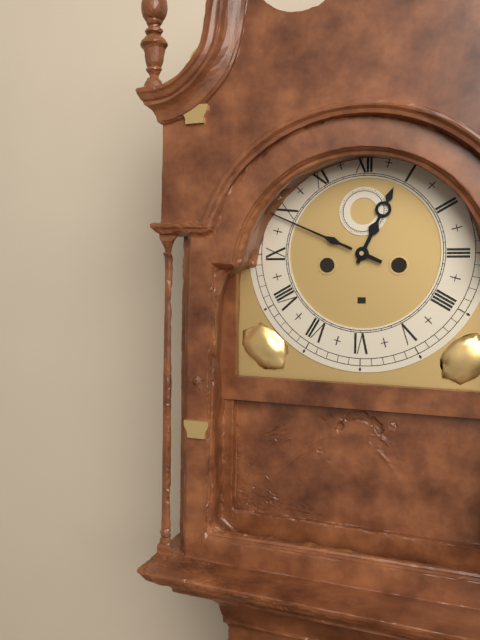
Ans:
12h49
